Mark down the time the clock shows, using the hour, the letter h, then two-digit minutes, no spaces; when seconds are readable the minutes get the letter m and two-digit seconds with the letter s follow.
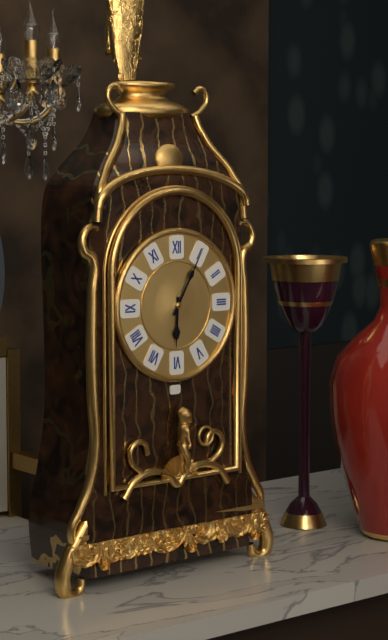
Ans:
6h05
